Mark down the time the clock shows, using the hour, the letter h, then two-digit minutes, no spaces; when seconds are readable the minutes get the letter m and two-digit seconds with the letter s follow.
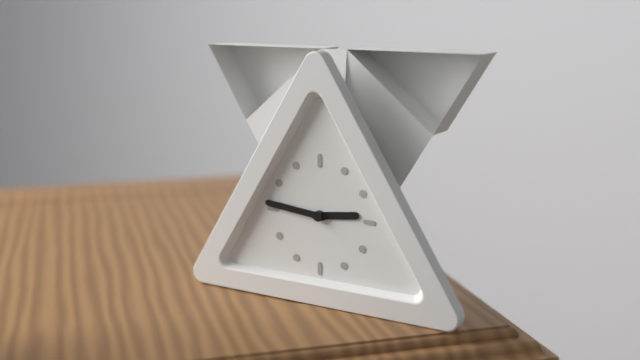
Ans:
2h46
